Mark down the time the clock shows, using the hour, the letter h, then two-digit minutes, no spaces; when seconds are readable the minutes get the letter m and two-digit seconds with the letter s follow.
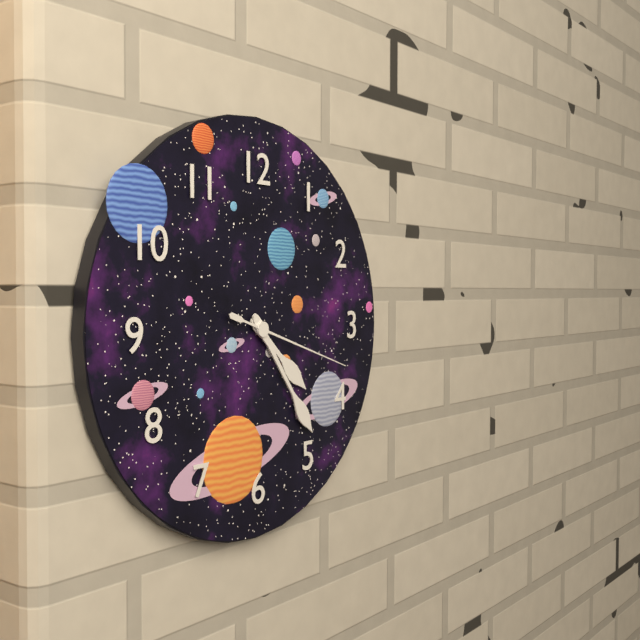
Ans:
4h24m18s
